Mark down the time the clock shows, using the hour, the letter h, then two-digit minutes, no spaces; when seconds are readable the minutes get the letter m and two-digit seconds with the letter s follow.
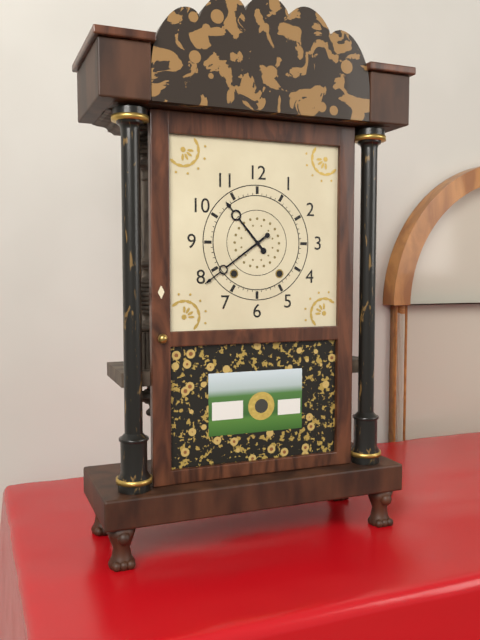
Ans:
10h39
